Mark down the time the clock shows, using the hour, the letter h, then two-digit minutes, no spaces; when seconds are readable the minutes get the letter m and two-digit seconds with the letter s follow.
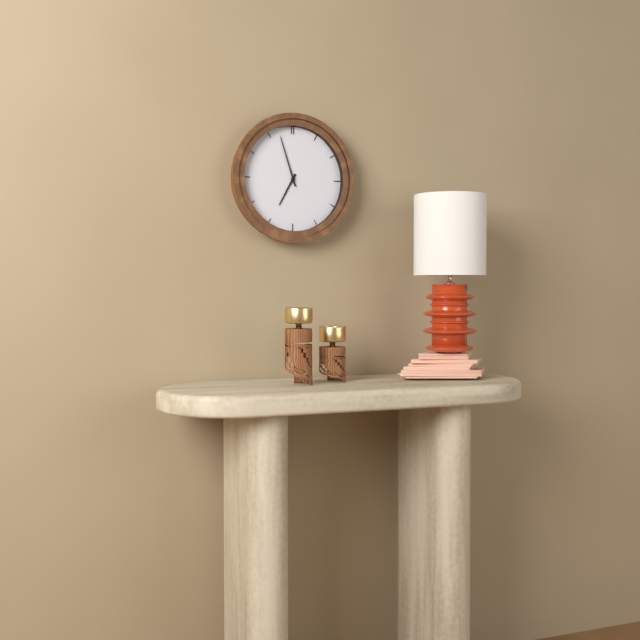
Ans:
6h57
